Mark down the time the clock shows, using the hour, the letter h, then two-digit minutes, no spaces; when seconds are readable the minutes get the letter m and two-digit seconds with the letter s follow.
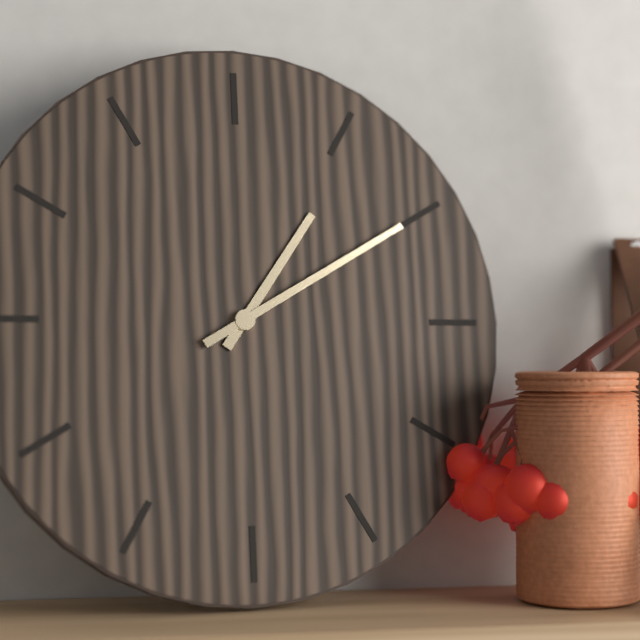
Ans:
1h10
